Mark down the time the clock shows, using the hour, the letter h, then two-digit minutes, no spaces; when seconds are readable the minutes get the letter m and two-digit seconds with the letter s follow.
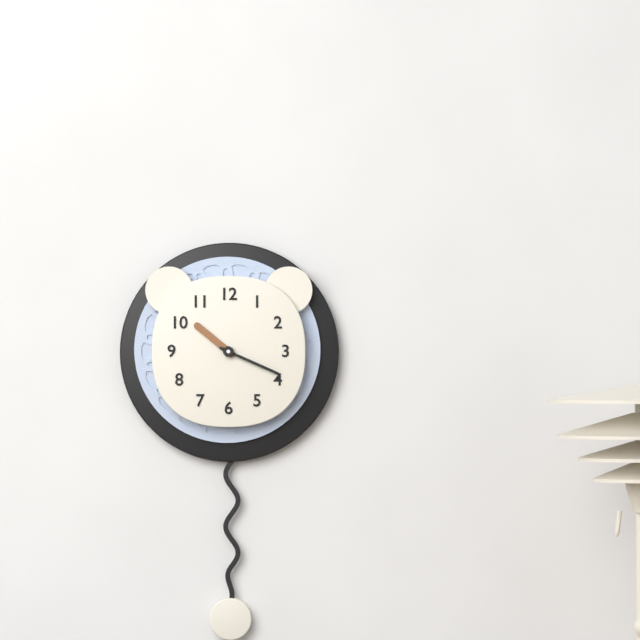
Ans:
10h19
